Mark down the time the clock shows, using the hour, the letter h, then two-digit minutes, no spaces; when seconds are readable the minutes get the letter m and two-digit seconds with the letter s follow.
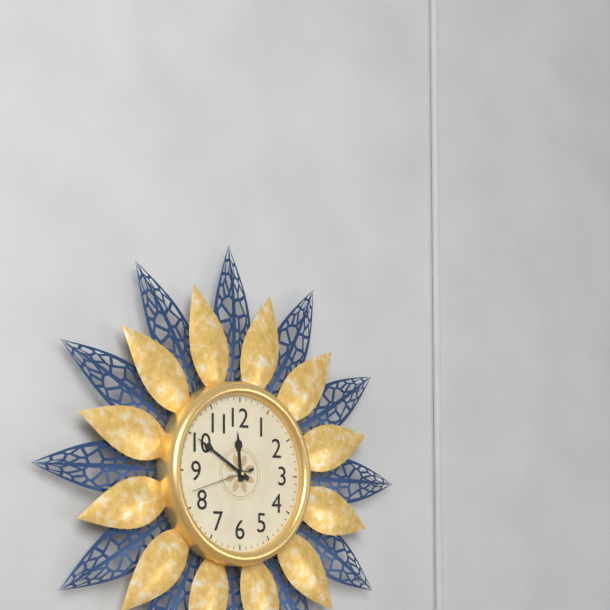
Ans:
11h50m42s
